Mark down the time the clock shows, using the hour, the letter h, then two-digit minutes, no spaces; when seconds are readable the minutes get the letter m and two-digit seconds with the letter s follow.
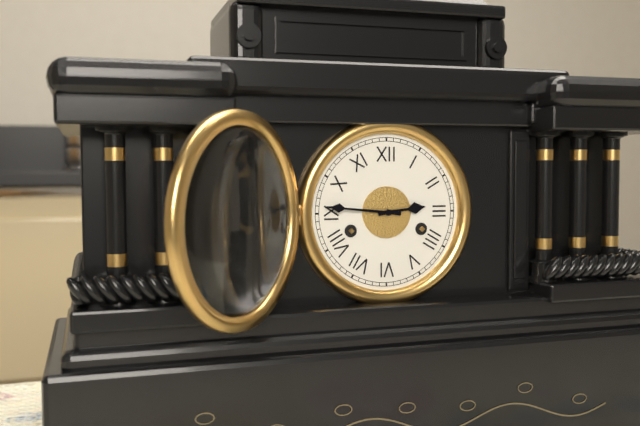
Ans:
2h46
